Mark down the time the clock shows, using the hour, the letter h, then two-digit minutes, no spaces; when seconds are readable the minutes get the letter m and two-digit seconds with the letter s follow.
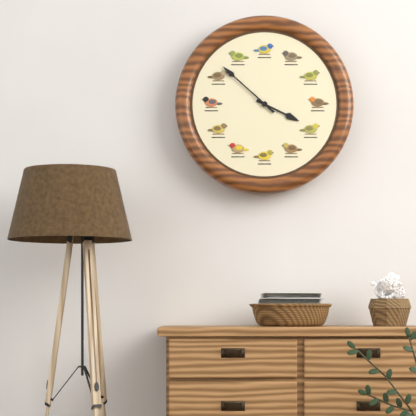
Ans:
3h52
